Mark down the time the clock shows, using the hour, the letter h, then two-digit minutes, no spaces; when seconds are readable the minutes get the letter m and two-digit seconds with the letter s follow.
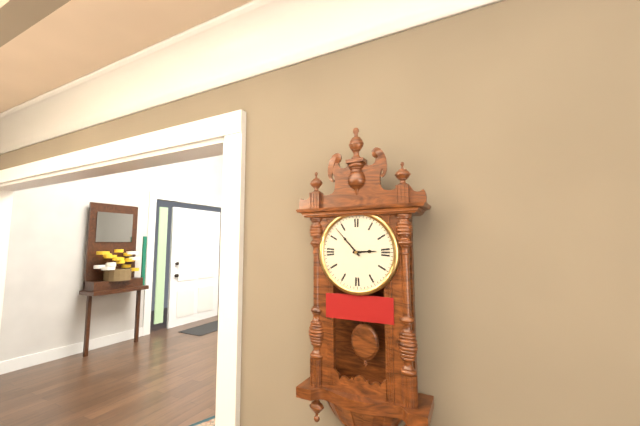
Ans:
2h53
